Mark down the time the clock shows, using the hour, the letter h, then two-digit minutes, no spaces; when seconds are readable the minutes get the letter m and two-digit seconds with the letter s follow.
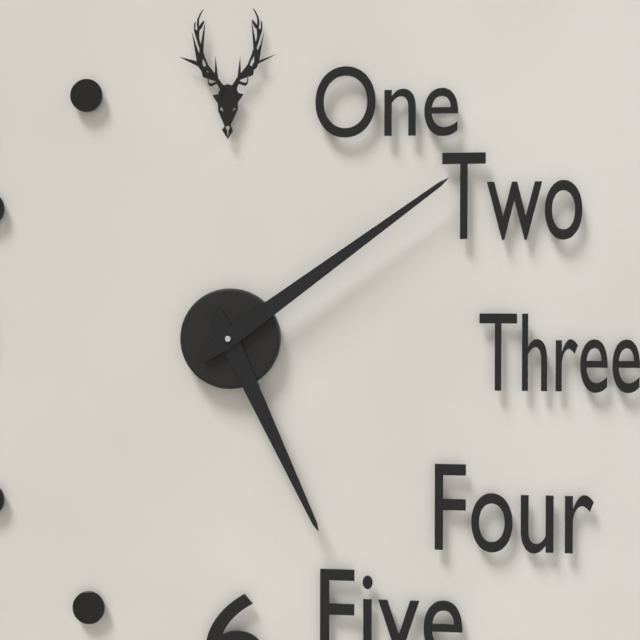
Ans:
5h09
